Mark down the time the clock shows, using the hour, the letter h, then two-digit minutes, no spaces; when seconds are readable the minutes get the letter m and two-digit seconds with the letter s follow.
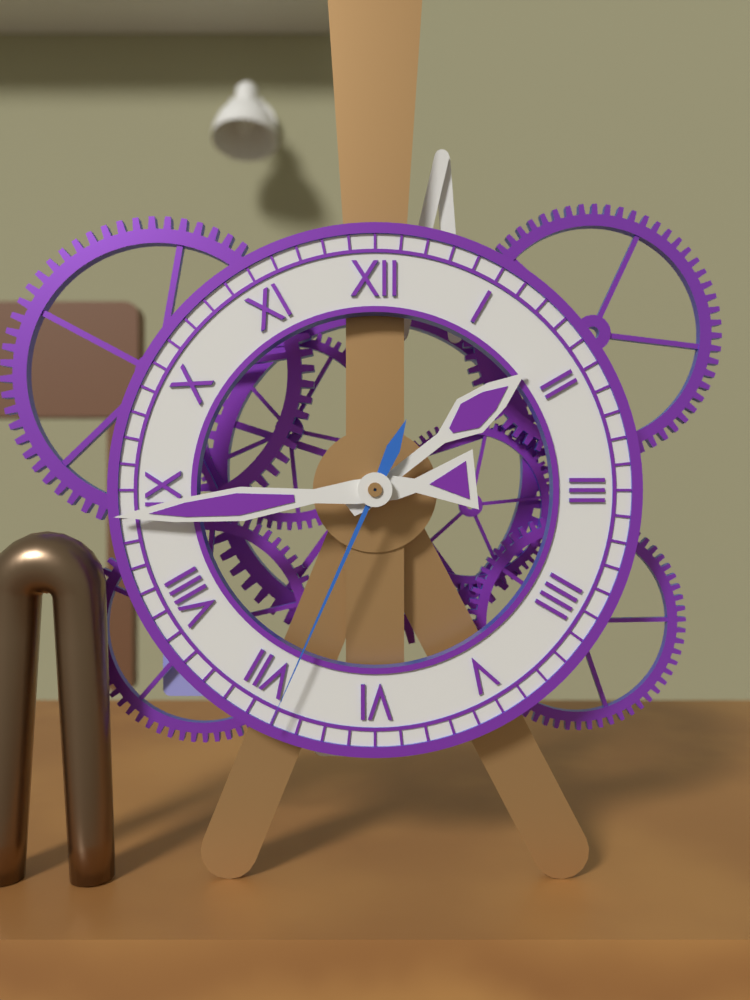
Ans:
1h44m34s
